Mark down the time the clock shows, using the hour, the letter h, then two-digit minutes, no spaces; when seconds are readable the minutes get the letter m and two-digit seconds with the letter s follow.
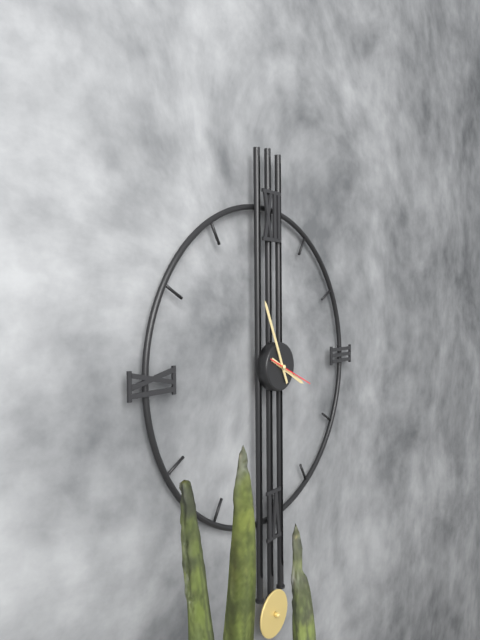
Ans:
3h56
